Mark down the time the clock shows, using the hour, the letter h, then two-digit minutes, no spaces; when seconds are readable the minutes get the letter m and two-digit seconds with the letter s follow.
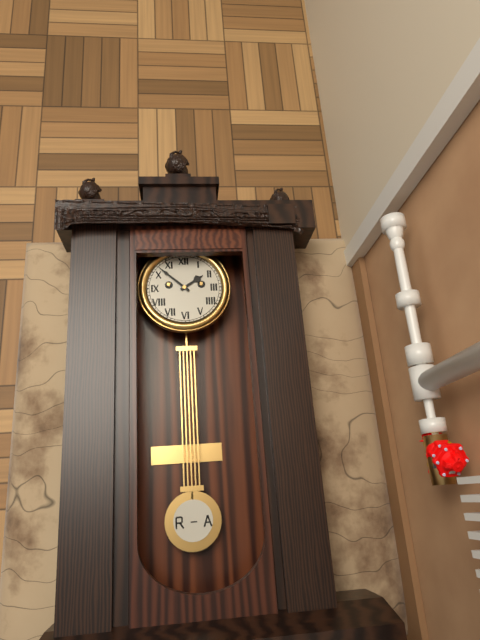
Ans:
1h52
